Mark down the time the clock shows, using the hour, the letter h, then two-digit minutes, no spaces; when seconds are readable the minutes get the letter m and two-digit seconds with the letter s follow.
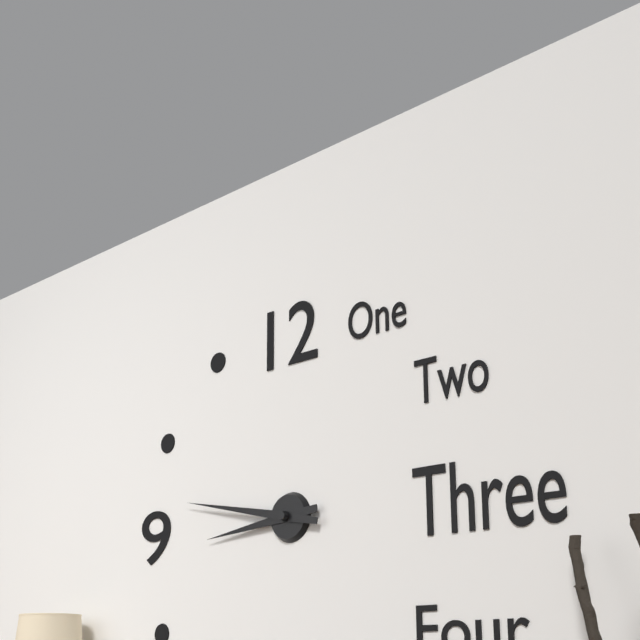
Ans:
8h47
